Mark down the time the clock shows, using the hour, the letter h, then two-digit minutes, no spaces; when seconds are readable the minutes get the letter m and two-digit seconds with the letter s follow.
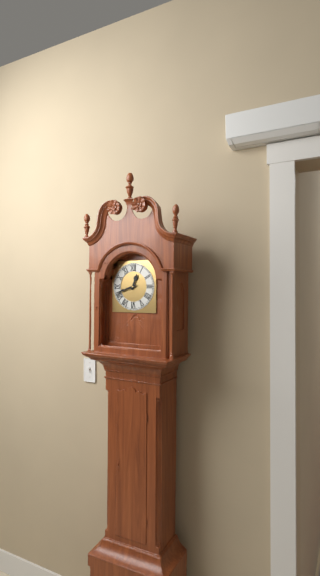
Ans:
12h42
